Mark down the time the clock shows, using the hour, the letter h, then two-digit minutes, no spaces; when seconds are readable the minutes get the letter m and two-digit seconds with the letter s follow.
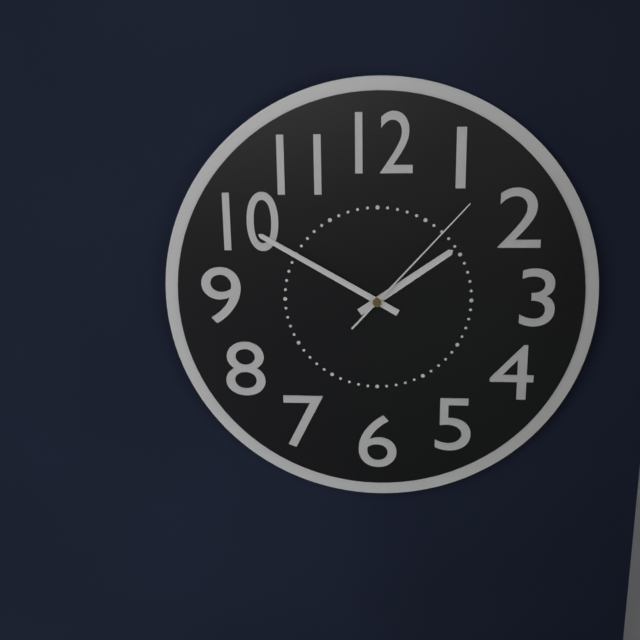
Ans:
1h50m07s
